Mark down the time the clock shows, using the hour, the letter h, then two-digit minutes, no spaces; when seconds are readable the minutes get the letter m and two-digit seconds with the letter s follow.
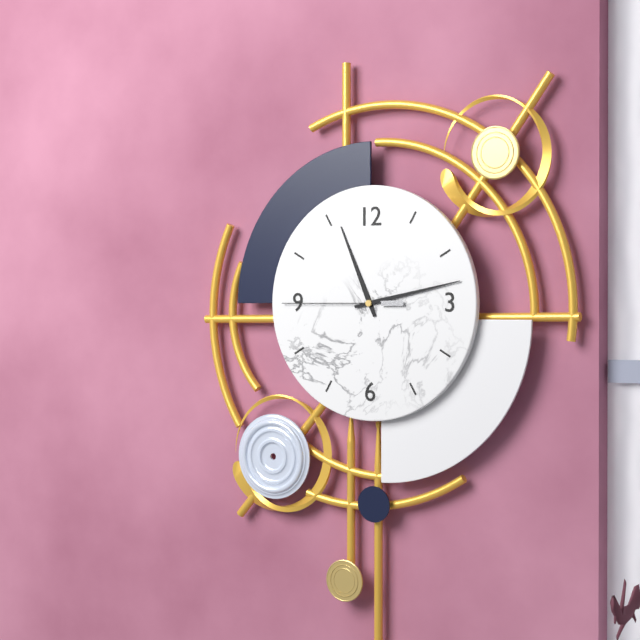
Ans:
11h13m45s
